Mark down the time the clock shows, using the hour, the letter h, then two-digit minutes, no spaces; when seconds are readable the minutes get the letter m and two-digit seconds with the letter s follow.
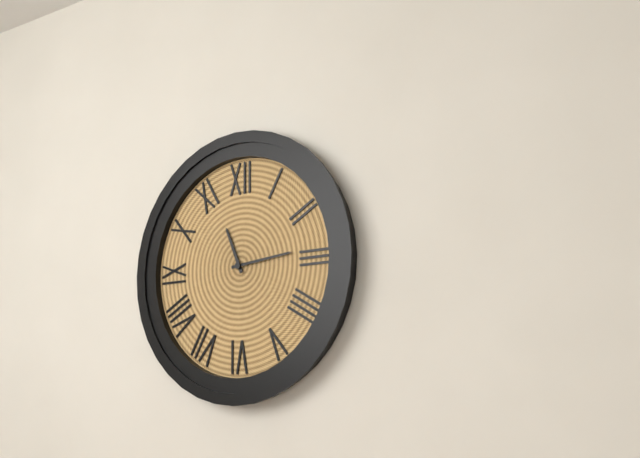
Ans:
11h14
